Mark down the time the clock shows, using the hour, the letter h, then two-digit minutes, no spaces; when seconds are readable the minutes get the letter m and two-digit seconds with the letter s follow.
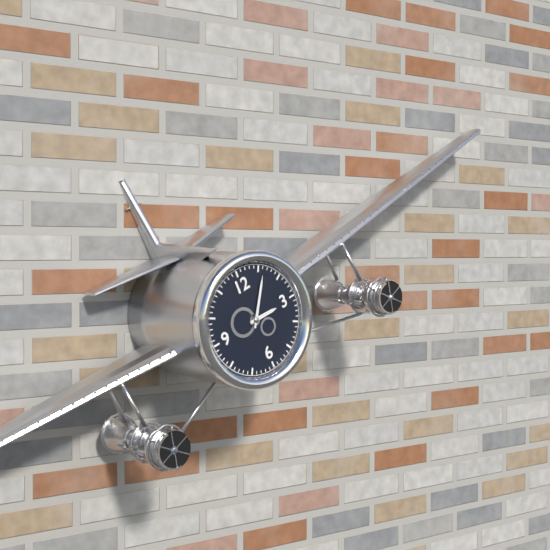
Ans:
3h06
